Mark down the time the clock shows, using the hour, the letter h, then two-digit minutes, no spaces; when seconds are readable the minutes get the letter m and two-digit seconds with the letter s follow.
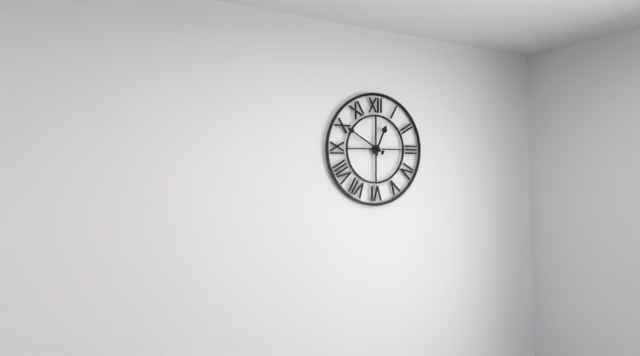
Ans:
12h50
